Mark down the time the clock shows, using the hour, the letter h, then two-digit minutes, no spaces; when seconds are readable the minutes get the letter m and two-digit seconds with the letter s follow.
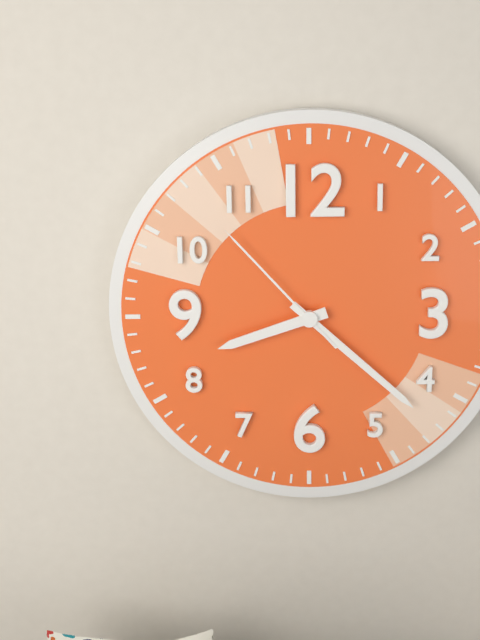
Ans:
8h22m53s
